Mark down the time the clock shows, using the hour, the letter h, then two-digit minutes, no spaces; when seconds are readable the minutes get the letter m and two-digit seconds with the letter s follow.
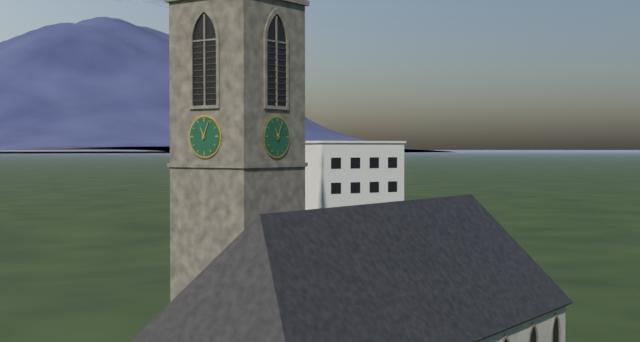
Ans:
11h04
